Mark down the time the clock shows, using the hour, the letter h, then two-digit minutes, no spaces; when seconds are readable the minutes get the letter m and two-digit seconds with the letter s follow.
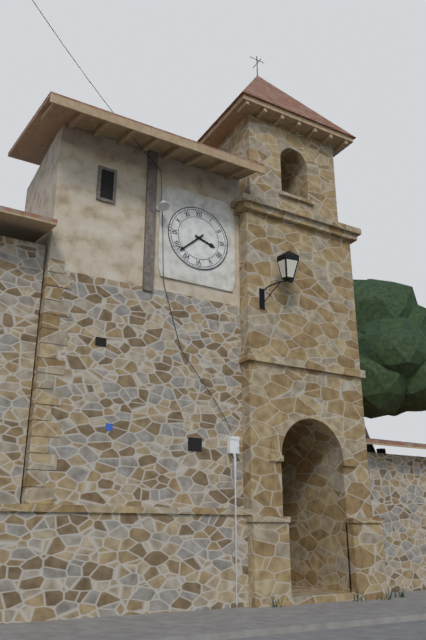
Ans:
3h38
